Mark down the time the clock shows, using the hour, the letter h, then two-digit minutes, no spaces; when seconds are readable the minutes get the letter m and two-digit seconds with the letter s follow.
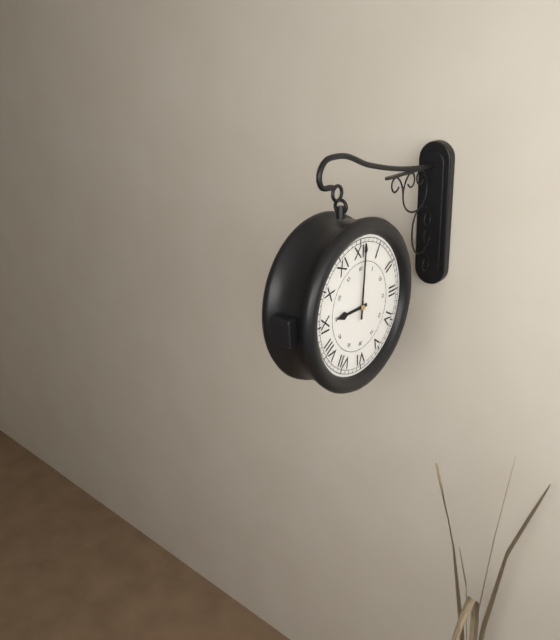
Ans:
9h01
